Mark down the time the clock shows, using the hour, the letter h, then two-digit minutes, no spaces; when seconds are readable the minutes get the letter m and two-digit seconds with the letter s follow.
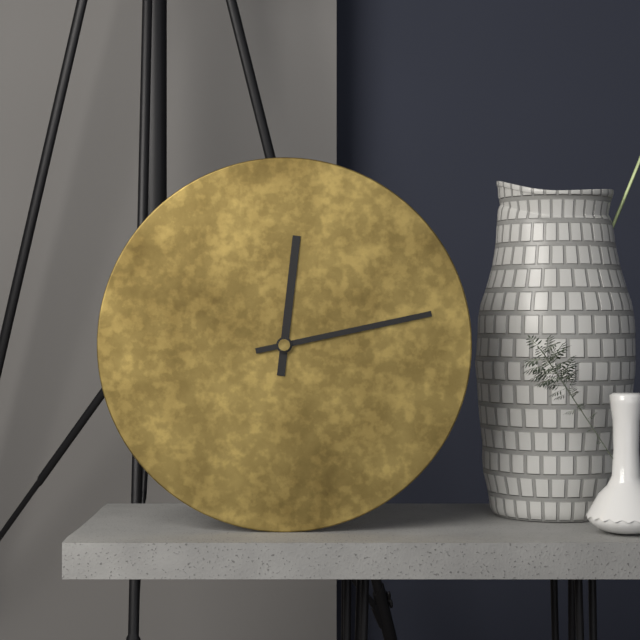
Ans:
12h13
